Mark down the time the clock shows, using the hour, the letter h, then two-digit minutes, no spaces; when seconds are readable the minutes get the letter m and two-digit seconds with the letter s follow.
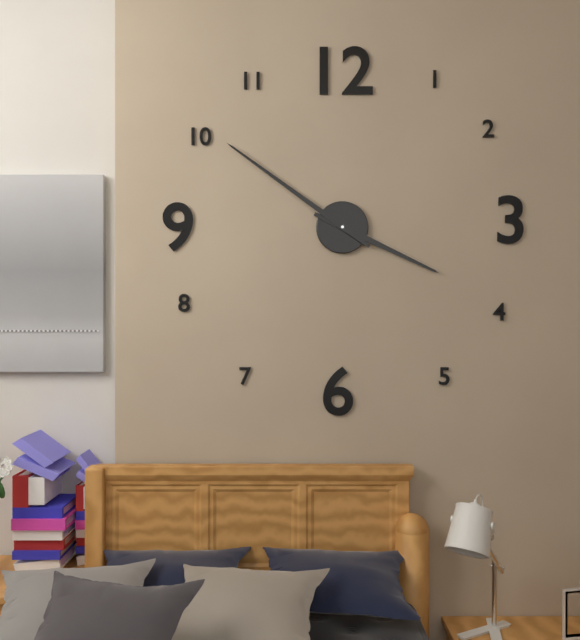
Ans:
3h51
